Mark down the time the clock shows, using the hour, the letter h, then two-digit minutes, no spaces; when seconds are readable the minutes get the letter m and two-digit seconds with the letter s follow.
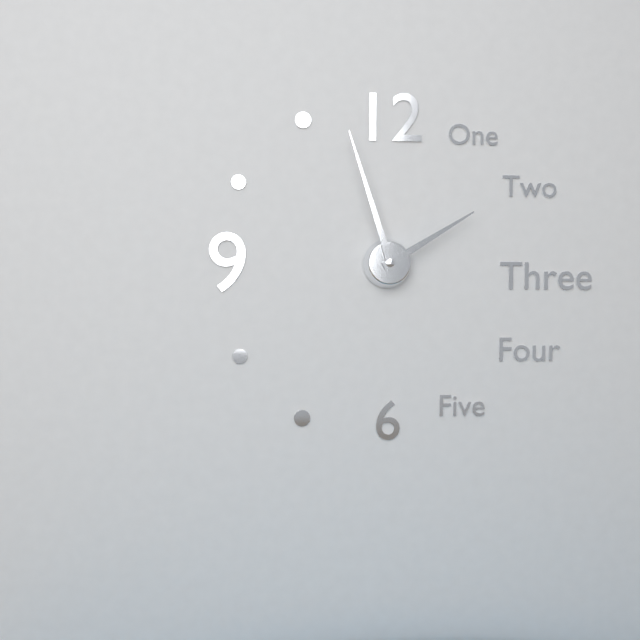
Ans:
1h57
